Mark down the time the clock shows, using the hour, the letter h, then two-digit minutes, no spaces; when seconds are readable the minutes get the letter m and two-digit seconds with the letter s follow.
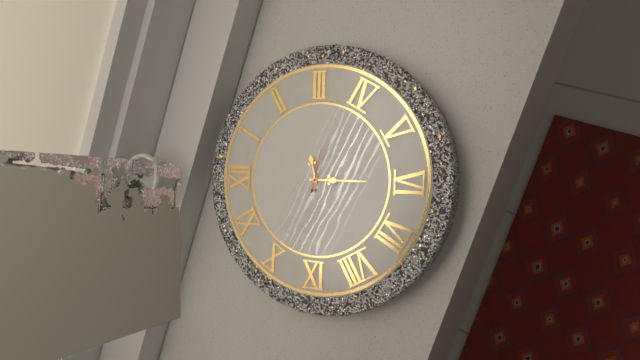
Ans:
2h30
